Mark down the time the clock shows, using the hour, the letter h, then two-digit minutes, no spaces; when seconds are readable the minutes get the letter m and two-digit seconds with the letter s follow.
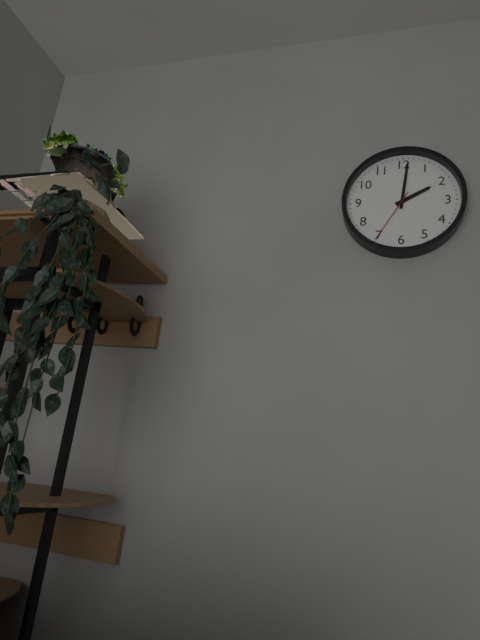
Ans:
2h01m35s
